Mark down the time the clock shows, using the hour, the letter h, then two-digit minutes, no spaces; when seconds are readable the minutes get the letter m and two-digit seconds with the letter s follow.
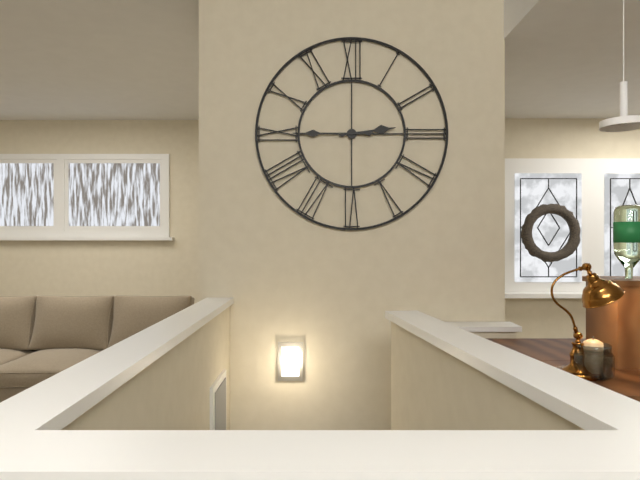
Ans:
2h45
